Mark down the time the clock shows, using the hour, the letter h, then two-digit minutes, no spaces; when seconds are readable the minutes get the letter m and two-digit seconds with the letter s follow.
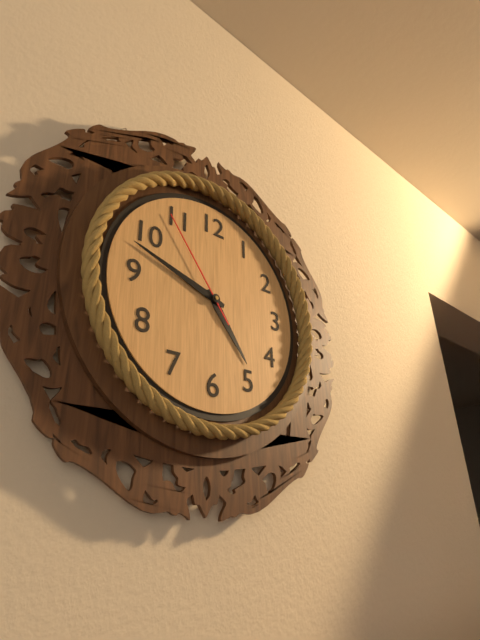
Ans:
4h48m54s
